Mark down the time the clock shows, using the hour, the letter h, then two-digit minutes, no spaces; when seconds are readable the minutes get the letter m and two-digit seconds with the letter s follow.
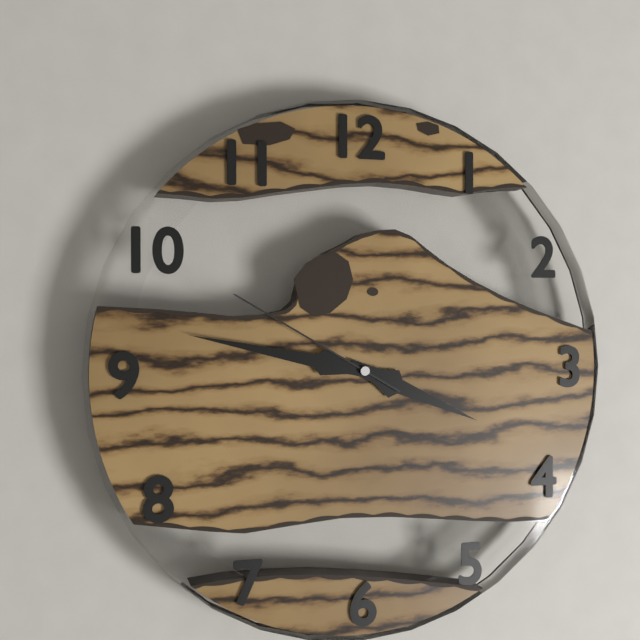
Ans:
3h47m50s
